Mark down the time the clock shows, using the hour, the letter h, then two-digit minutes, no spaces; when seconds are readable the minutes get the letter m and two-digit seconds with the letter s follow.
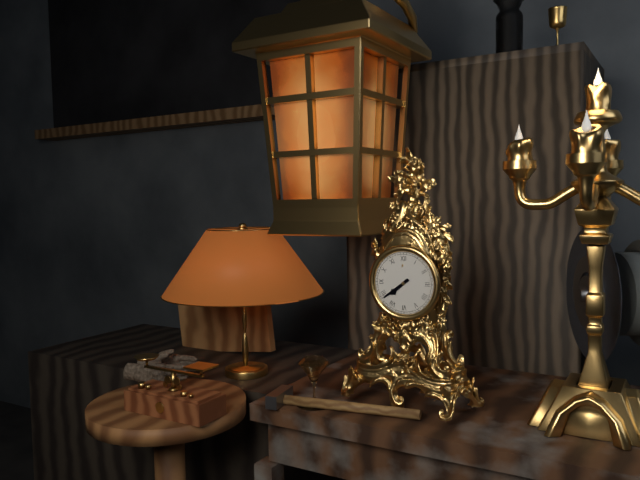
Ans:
7h39
